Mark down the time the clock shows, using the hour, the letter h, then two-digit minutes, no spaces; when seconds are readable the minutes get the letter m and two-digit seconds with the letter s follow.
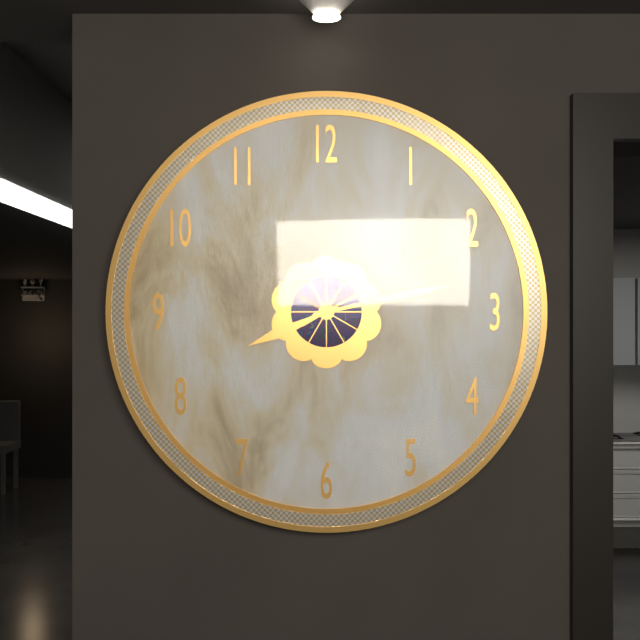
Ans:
8h13m10s
